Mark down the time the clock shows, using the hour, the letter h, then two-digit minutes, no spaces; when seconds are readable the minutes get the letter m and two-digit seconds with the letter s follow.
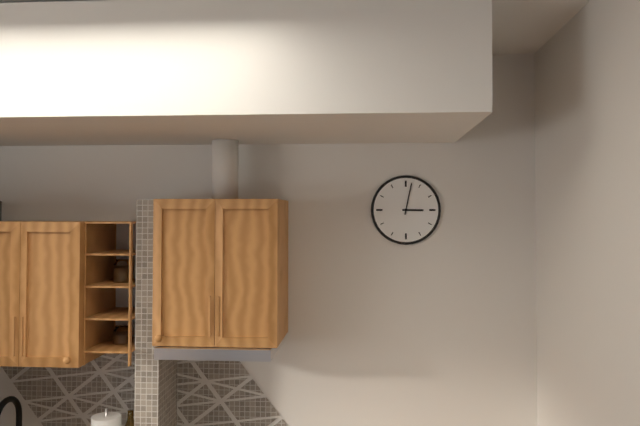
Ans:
3h02
